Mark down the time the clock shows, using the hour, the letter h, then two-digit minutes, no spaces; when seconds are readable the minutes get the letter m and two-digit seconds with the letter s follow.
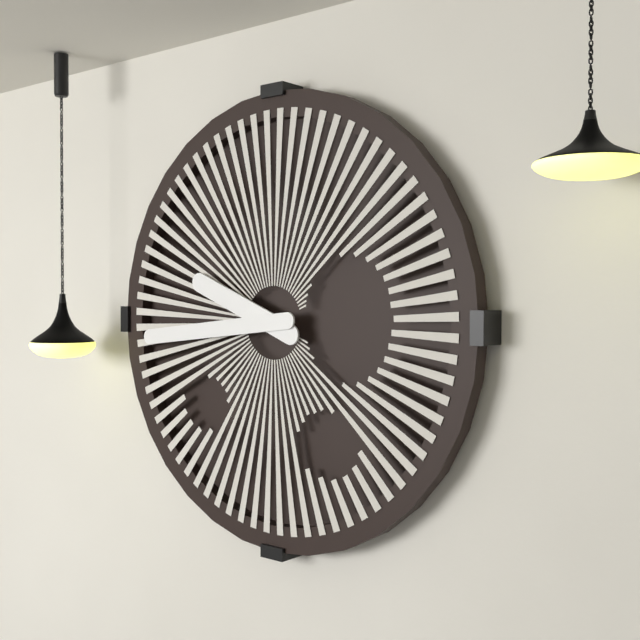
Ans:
9h44
